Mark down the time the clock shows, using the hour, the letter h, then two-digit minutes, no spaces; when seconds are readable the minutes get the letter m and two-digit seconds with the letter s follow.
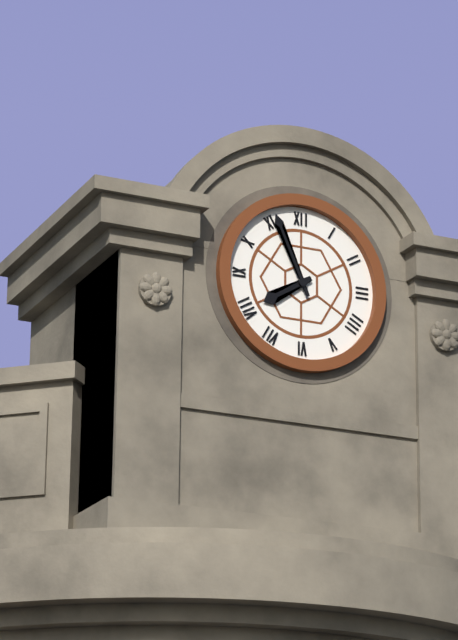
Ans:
7h56
